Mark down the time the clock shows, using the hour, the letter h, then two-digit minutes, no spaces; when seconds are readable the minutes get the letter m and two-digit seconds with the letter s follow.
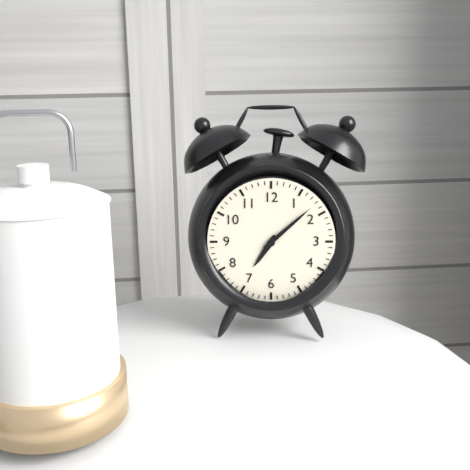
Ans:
7h08
